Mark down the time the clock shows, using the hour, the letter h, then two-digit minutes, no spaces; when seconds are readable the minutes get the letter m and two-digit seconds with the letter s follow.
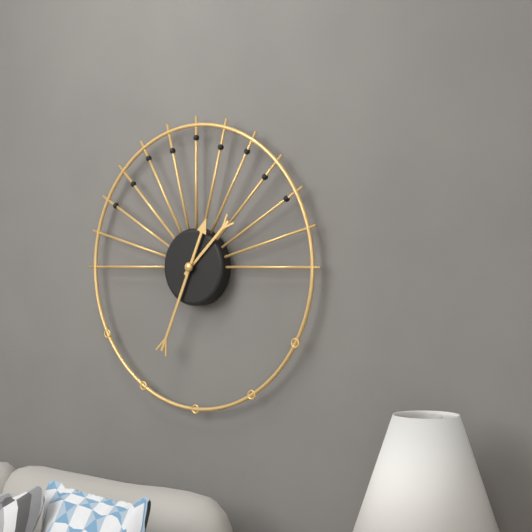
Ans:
1h34
